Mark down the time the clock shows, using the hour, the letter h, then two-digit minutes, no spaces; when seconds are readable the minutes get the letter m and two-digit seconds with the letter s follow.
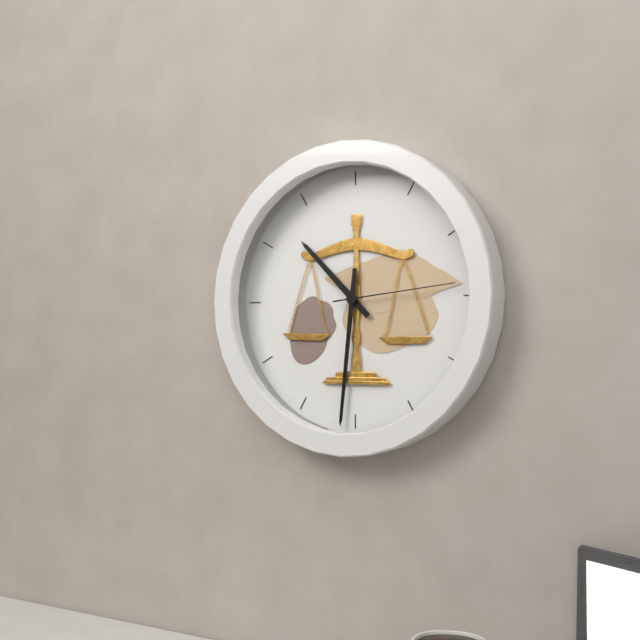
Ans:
10h31m14s
